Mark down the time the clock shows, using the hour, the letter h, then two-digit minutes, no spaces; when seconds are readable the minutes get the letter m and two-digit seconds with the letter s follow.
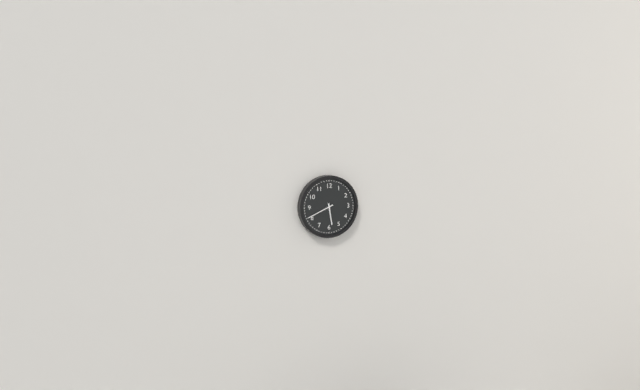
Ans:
5h41
